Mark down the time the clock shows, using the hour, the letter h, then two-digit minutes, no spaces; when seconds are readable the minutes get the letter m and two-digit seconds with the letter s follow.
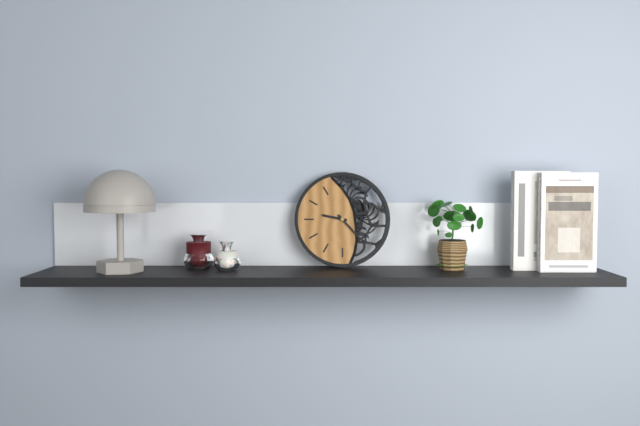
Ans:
9h23
